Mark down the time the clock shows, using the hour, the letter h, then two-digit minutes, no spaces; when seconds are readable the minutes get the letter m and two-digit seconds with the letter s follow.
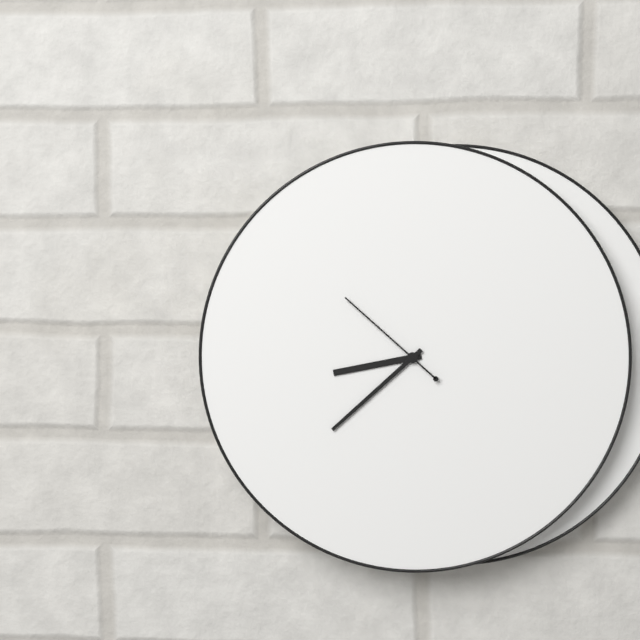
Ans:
8h38m52s
